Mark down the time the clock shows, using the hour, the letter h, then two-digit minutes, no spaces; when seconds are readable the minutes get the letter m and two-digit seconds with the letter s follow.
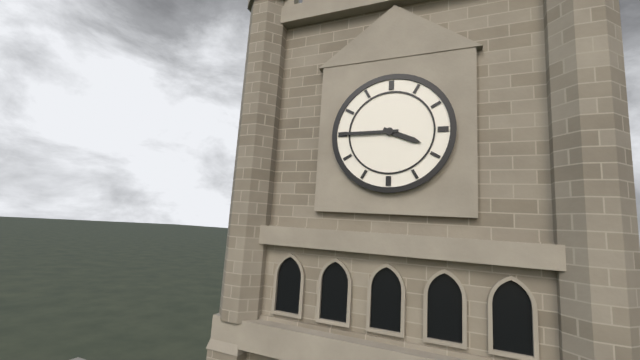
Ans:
3h45
